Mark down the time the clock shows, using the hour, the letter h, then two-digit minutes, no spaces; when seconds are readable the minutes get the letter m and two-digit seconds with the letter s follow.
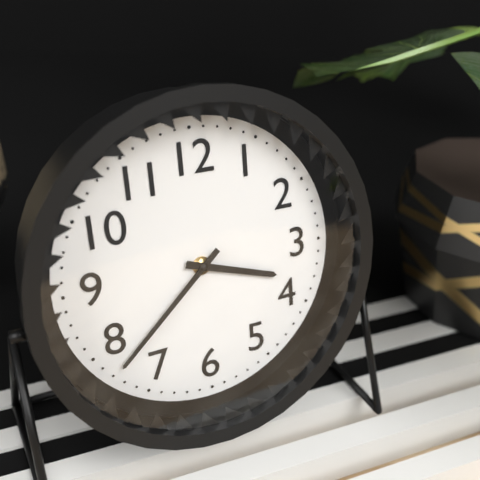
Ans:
3h38
